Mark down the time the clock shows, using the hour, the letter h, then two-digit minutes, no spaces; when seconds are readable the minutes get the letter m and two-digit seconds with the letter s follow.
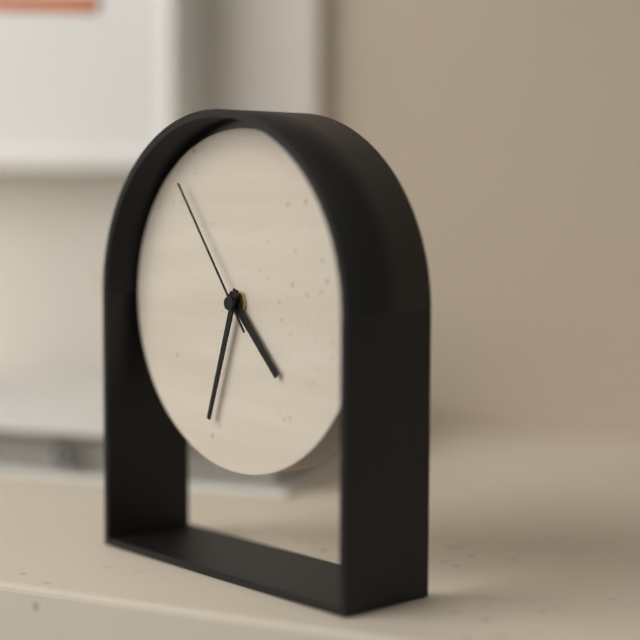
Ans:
4h33m54s
